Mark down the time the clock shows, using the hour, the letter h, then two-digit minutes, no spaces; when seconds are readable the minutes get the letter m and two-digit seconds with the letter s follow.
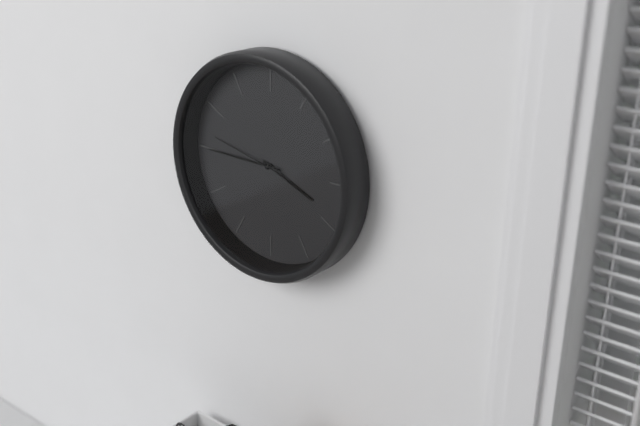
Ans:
3h45m47s
